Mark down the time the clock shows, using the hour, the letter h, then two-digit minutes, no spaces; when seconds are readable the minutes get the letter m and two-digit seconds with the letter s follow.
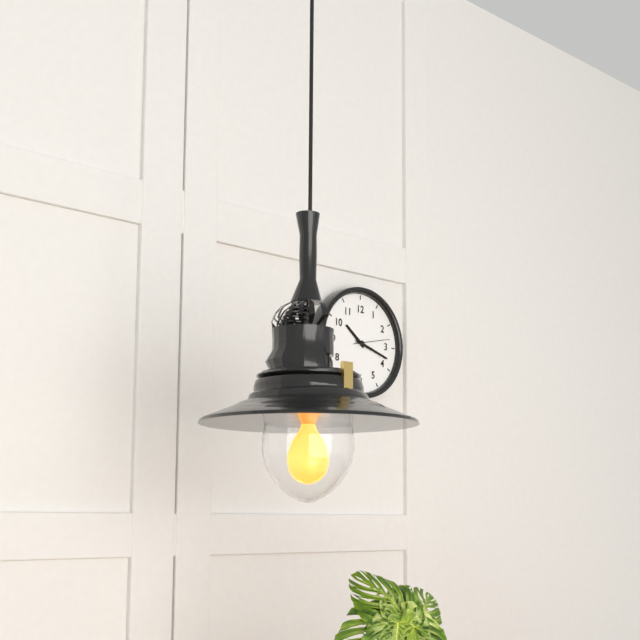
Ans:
10h18
